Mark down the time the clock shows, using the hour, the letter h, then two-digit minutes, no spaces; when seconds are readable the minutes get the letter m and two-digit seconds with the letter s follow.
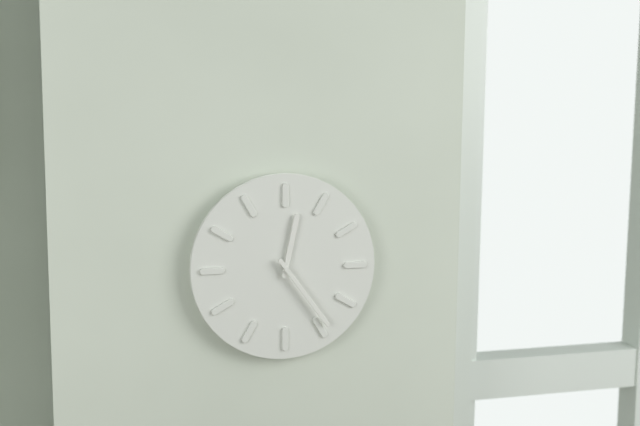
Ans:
12h24
